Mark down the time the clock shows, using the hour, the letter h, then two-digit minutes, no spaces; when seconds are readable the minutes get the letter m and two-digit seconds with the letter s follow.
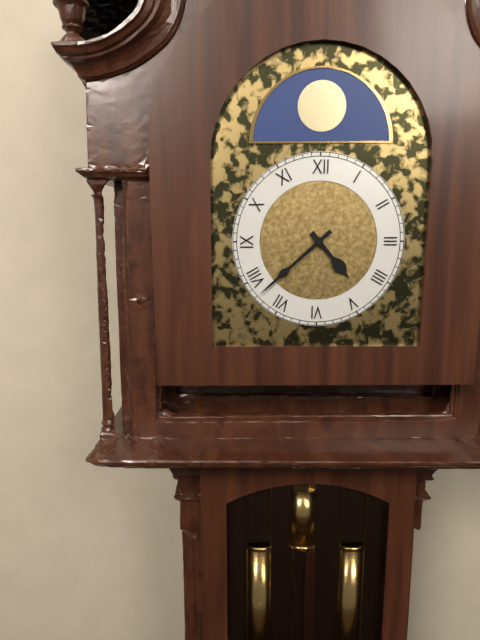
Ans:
4h38
